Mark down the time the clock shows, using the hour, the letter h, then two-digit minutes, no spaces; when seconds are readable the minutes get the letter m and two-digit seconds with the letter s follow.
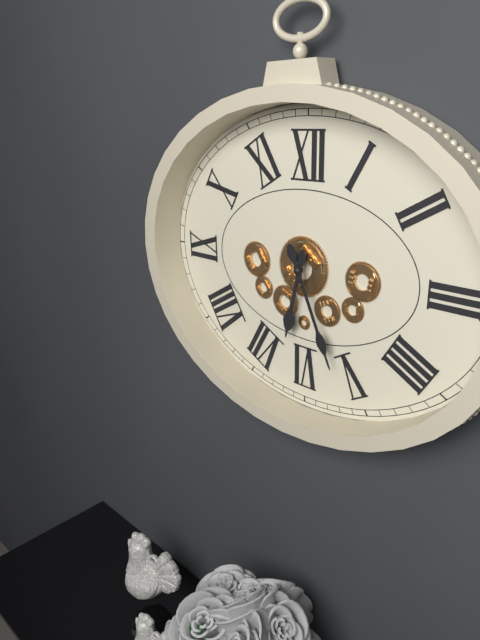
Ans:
6h26
